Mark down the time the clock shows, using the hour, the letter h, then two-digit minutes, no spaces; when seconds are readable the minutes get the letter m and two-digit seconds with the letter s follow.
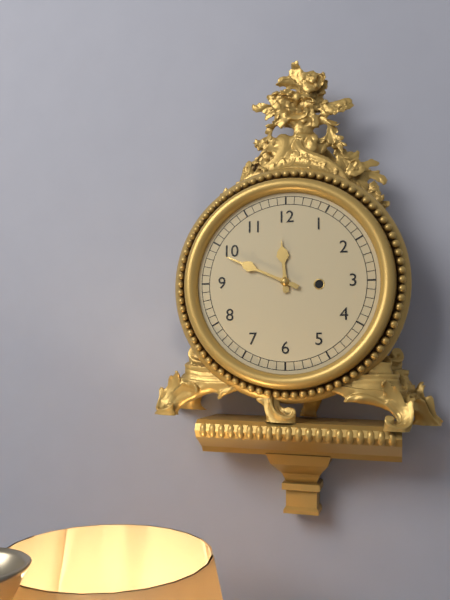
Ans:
11h49
